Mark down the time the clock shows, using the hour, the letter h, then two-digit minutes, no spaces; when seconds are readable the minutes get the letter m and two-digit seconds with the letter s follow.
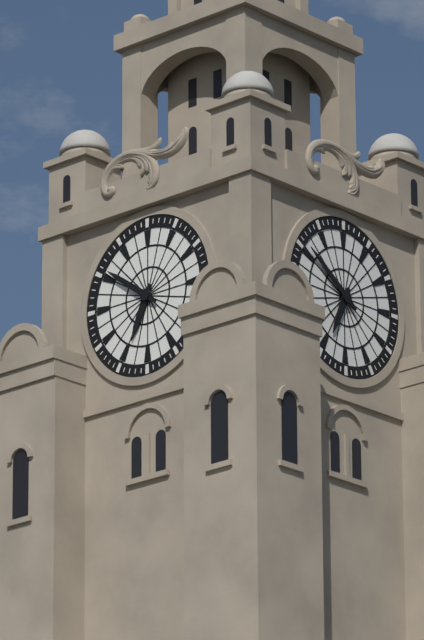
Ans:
6h51
